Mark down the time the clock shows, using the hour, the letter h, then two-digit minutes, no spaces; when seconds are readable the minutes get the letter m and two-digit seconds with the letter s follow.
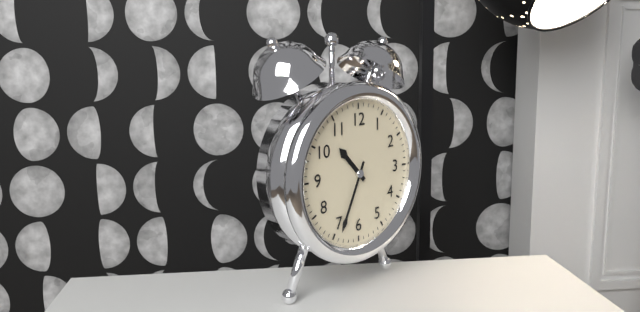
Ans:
10h34
